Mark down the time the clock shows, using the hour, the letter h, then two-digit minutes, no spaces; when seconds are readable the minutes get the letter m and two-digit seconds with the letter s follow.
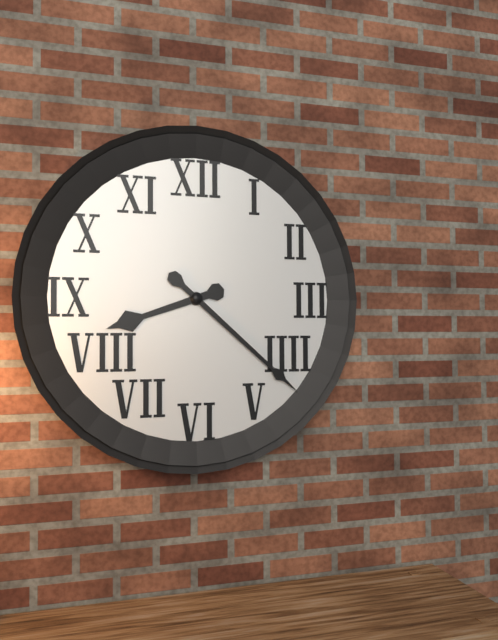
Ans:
8h22
